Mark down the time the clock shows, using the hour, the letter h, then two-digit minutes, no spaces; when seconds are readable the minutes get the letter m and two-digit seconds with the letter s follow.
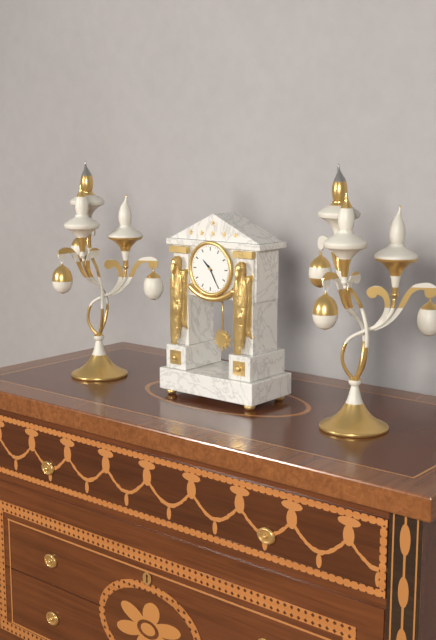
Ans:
10h25
